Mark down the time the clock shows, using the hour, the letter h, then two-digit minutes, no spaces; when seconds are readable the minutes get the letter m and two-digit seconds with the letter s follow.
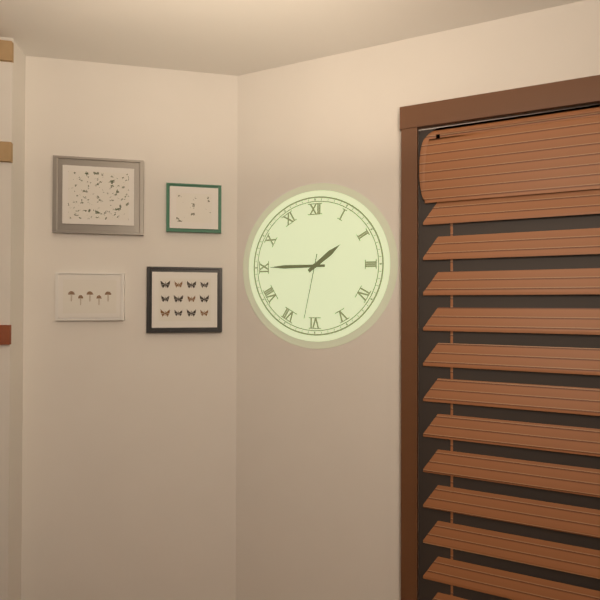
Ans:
1h45m32s
